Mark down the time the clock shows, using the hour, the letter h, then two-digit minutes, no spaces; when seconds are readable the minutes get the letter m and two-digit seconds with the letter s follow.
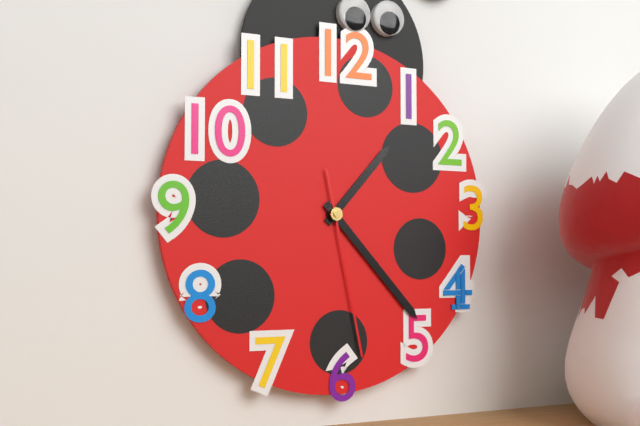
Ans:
1h23m28s
